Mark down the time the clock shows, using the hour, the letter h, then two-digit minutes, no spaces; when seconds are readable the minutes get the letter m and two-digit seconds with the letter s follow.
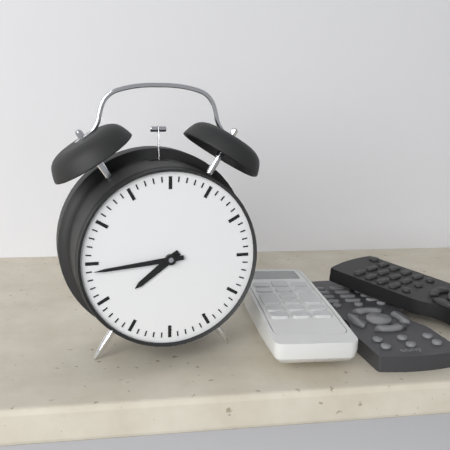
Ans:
7h44
